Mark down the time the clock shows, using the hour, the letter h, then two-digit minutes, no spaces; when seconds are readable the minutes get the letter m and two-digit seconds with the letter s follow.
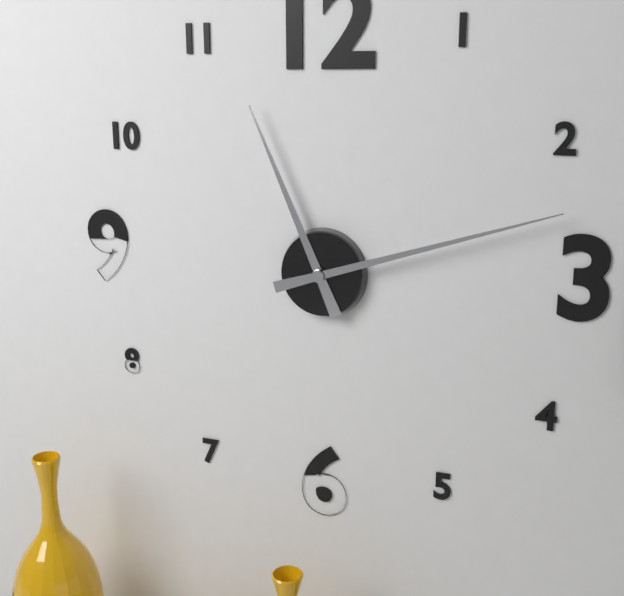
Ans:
11h12
